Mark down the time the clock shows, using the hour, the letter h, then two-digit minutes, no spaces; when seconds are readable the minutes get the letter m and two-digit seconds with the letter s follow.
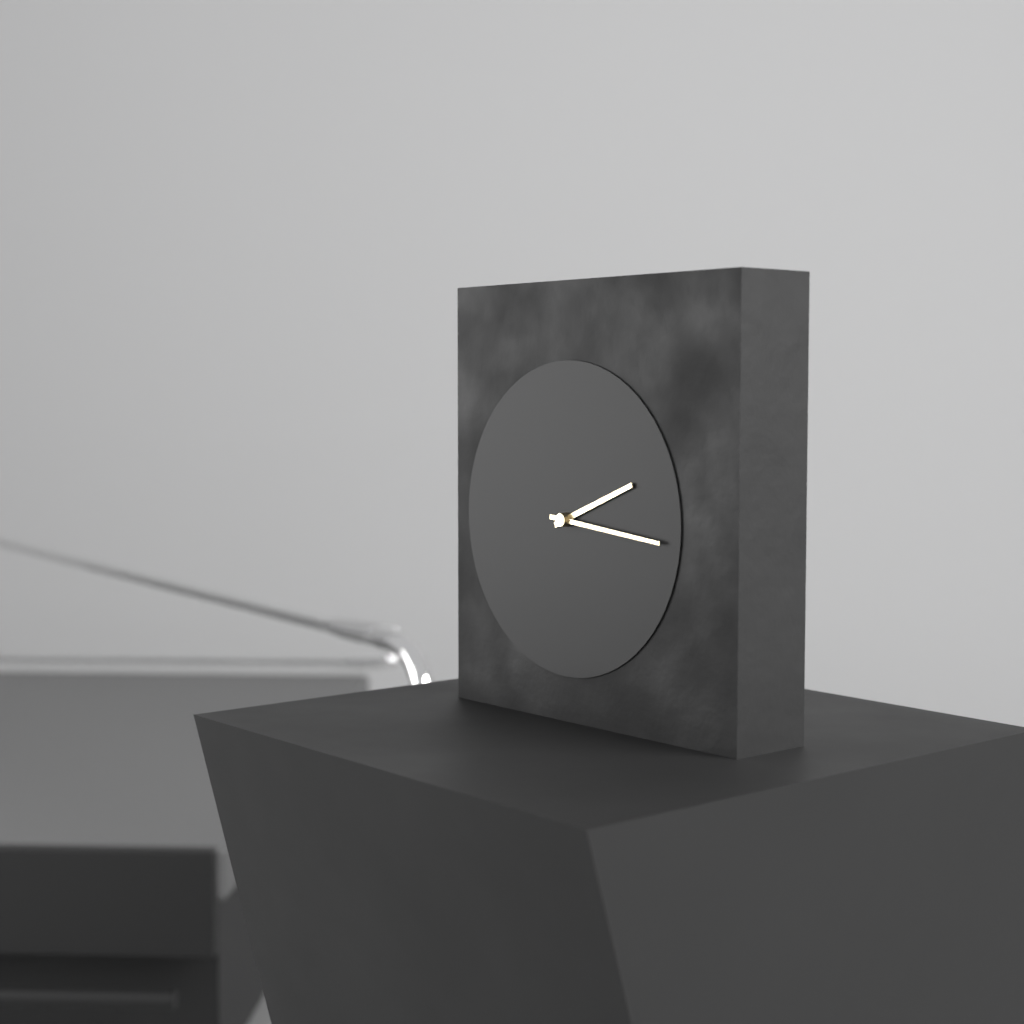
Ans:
2h16
